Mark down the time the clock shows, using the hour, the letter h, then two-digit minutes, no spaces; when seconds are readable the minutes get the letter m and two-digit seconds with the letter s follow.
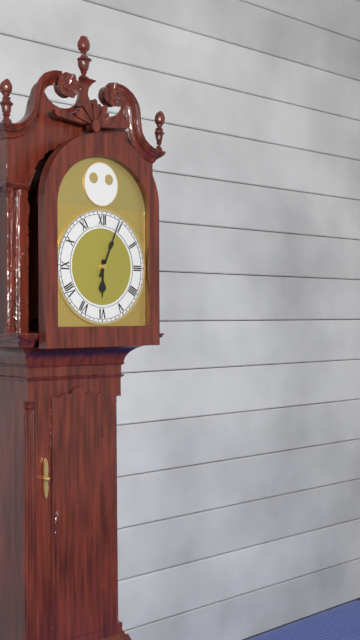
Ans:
6h04
